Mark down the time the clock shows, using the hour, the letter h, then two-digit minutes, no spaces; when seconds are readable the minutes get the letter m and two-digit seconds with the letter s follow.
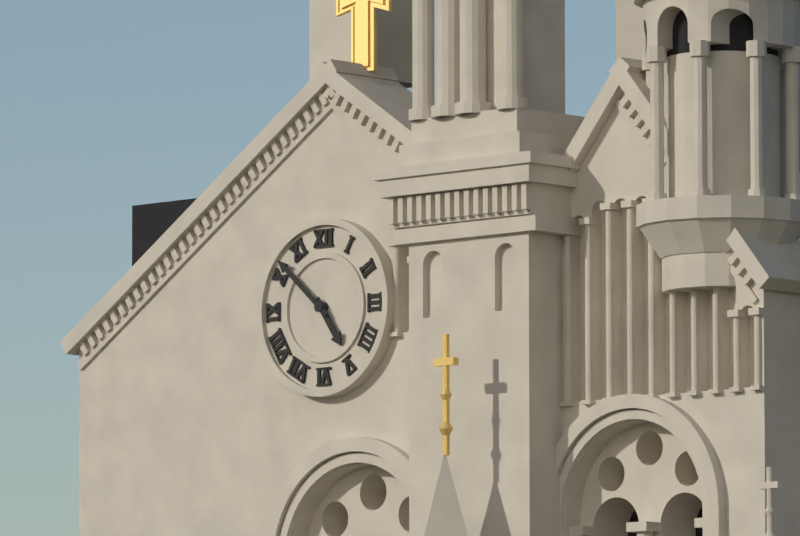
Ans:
4h52
